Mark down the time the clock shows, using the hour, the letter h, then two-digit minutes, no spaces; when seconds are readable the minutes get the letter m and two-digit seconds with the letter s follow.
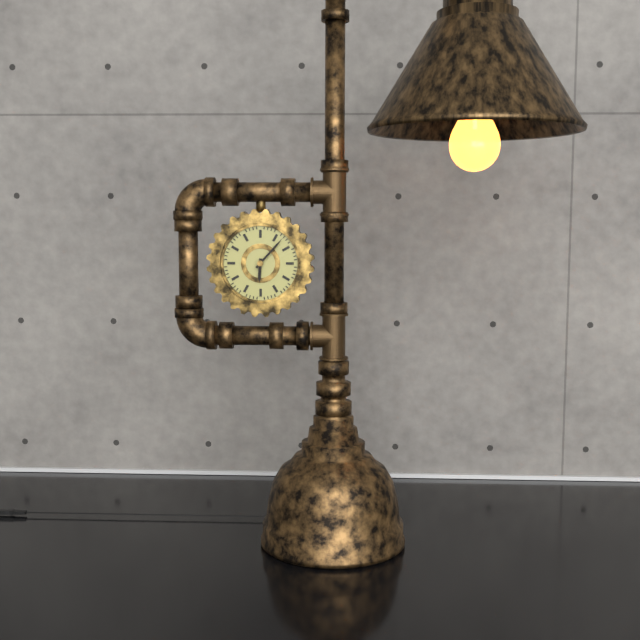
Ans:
6h07
